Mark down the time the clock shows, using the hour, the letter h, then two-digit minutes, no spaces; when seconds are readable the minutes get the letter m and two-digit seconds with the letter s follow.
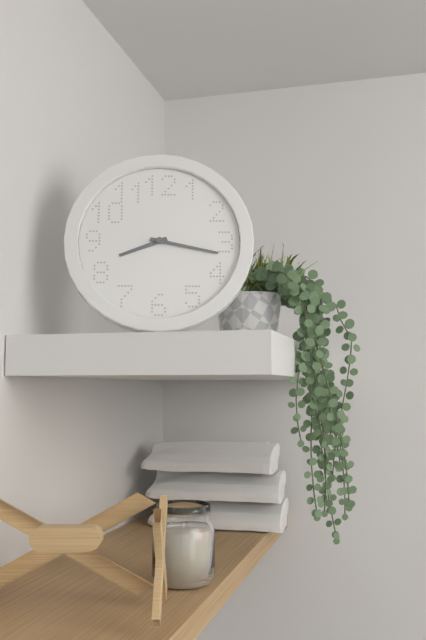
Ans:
8h17
